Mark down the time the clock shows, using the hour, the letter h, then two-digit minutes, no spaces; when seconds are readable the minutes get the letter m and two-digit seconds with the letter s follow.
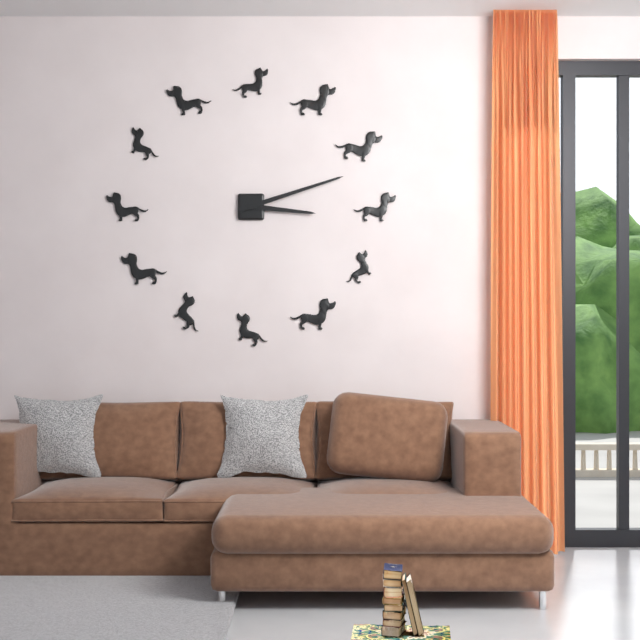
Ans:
3h12
